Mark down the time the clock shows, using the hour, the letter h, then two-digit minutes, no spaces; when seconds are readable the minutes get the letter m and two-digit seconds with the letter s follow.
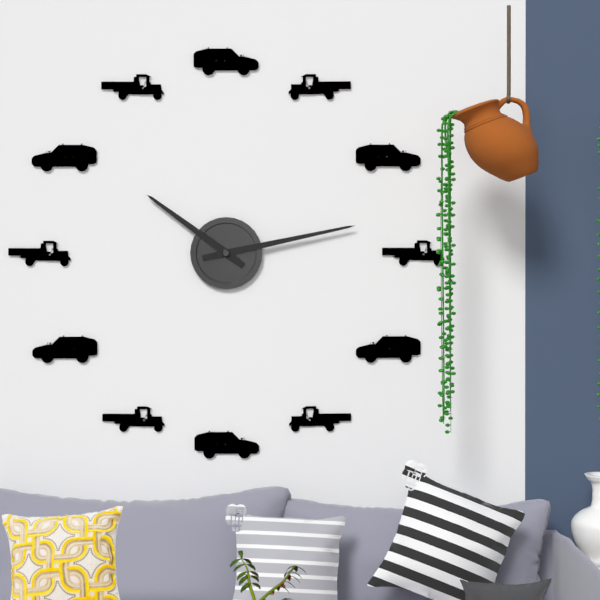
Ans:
10h13
